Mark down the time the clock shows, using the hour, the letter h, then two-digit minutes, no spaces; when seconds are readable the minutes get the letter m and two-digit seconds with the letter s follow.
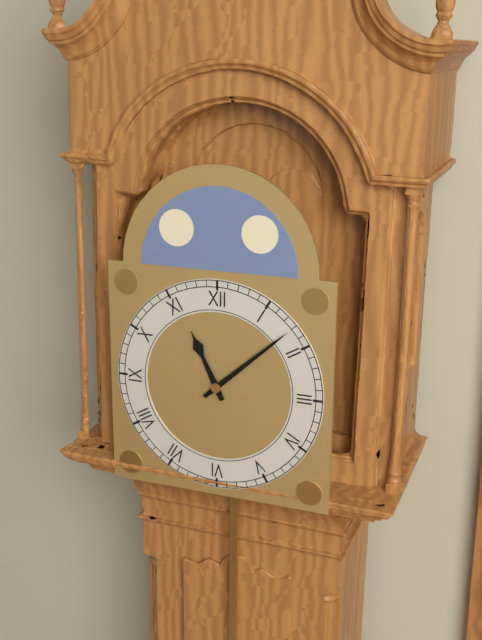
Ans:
11h08
